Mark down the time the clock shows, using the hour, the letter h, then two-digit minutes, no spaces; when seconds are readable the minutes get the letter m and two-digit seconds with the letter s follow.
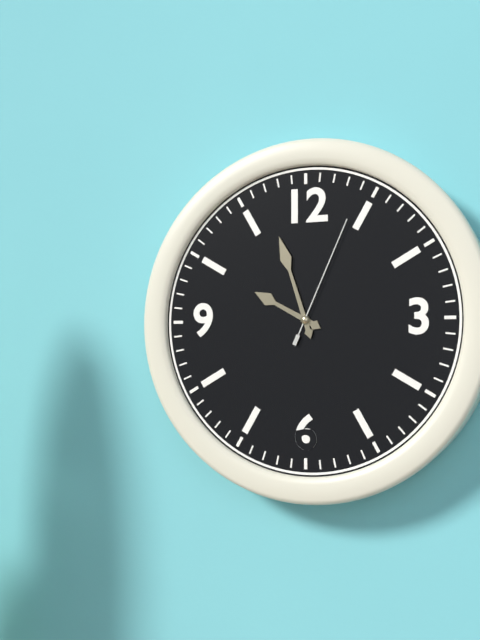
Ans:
9h57m04s
